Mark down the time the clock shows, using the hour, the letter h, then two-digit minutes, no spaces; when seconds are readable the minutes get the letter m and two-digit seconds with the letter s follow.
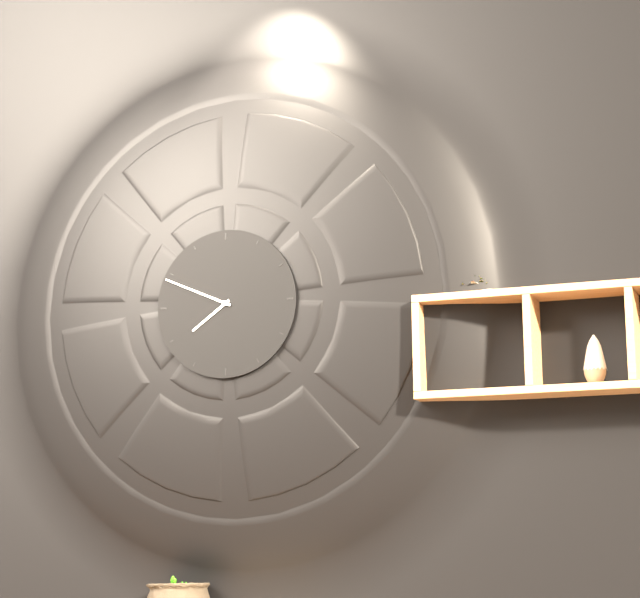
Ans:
7h49
